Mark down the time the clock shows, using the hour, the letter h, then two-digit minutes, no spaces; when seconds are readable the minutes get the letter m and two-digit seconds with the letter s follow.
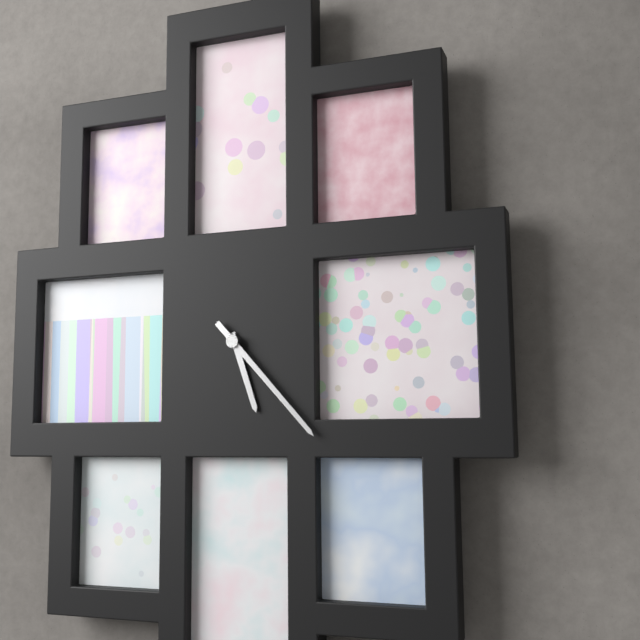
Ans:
5h23
